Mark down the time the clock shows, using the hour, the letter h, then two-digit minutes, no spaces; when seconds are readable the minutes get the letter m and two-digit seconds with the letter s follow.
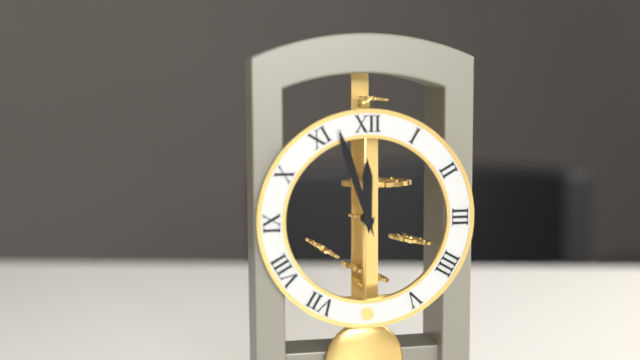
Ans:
11h57
